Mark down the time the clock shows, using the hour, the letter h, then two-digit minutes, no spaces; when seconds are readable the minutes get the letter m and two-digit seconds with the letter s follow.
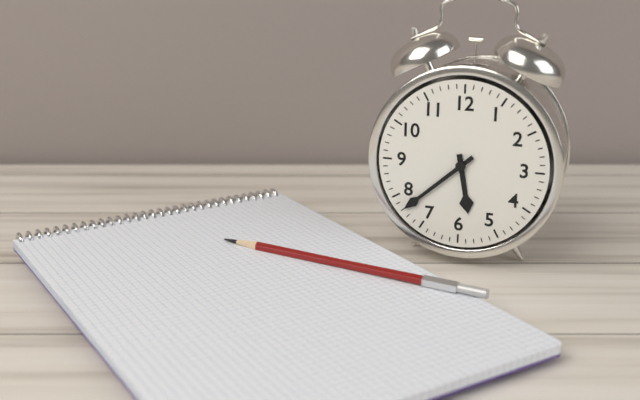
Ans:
5h38
